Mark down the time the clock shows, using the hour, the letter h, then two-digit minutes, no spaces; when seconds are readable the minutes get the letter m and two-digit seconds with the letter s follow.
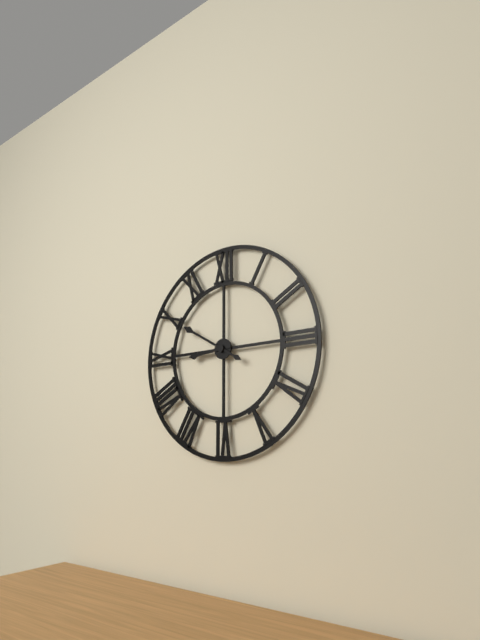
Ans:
8h50
